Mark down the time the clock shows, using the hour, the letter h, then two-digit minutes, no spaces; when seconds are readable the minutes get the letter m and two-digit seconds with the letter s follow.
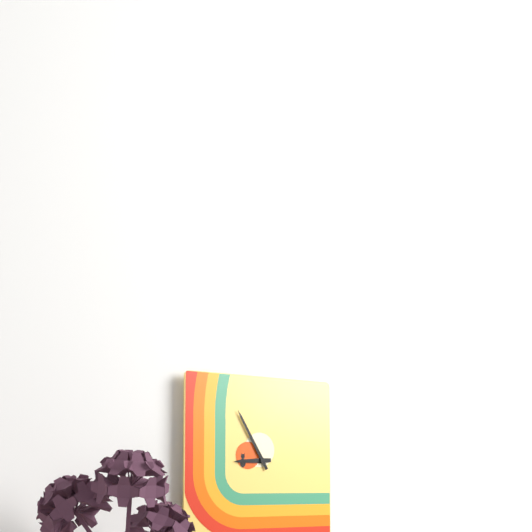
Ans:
8h55
